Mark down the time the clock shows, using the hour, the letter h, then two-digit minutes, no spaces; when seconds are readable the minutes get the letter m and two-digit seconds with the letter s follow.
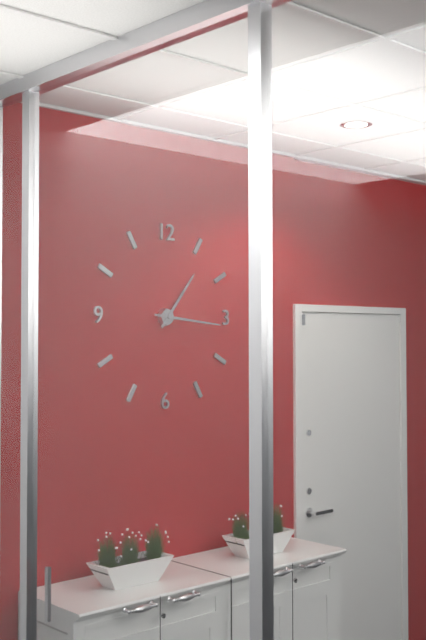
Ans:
1h16
